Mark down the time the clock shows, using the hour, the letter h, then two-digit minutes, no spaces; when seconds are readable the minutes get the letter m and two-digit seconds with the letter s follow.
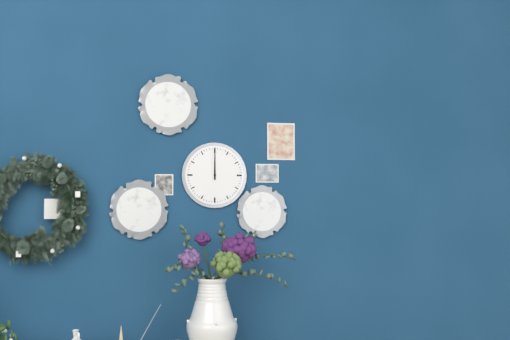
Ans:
12h00
